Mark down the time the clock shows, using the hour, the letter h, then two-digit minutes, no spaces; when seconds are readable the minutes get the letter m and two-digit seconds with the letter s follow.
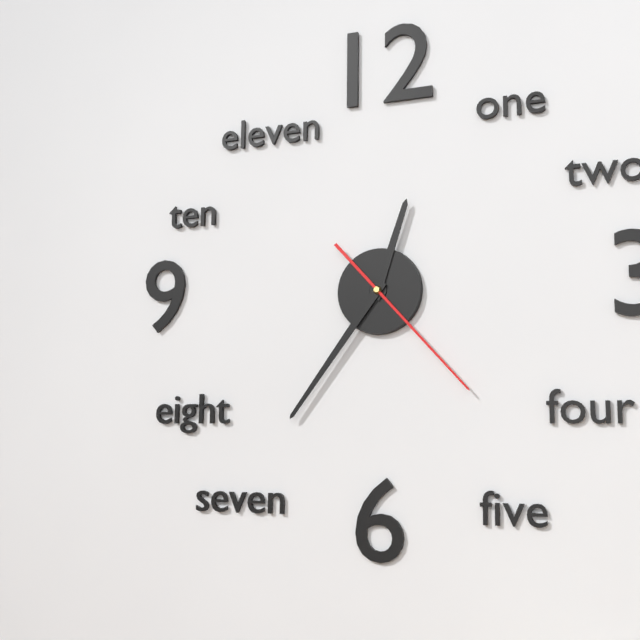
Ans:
12h36m23s
